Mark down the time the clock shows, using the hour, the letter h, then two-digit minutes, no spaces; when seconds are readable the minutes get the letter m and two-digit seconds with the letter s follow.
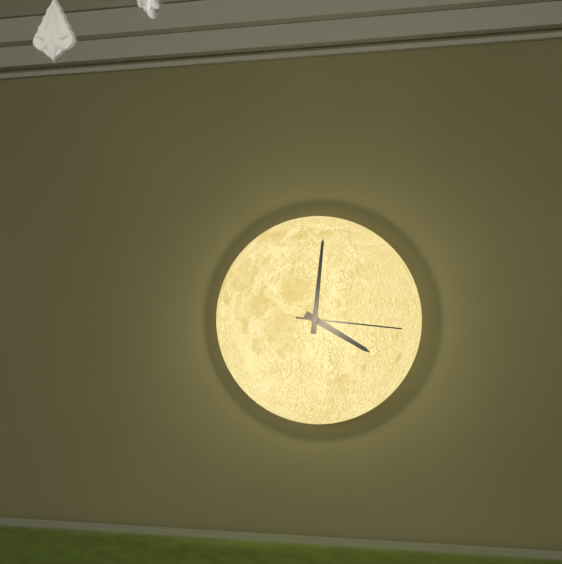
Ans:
4h01m16s
